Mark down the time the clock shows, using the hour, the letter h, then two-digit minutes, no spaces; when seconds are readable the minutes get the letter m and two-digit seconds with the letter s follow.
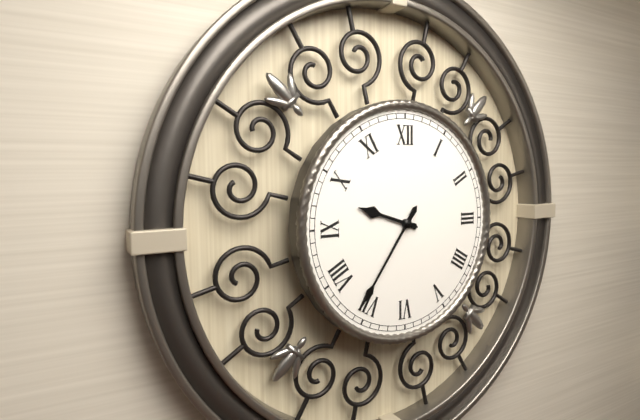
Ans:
9h36
